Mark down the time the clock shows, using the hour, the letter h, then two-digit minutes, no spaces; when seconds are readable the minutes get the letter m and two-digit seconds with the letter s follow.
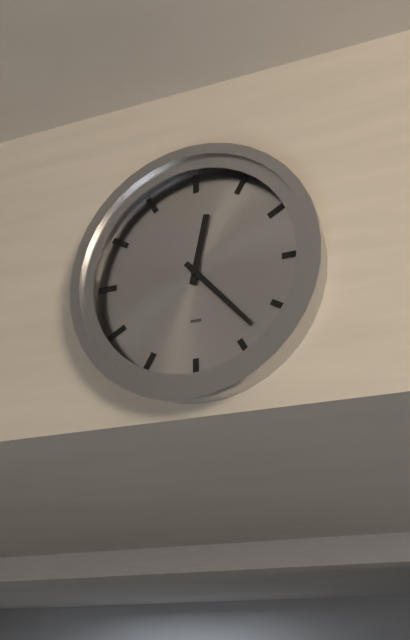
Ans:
12h23
